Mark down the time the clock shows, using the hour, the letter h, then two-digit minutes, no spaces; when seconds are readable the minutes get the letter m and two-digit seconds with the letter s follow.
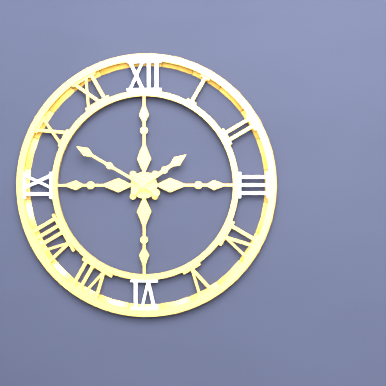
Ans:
1h50
